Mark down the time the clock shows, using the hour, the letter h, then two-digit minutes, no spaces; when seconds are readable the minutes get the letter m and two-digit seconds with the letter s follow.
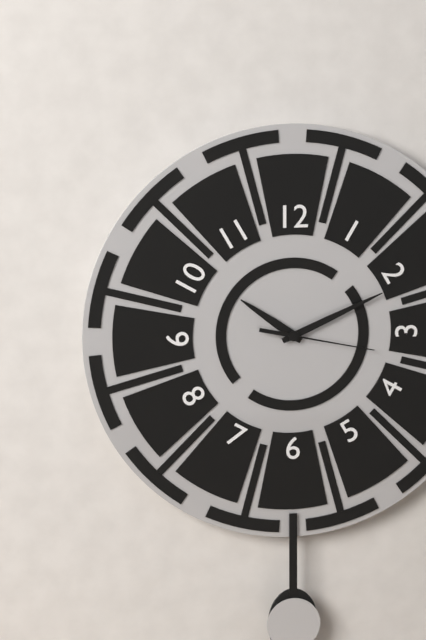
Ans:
10h11m17s
